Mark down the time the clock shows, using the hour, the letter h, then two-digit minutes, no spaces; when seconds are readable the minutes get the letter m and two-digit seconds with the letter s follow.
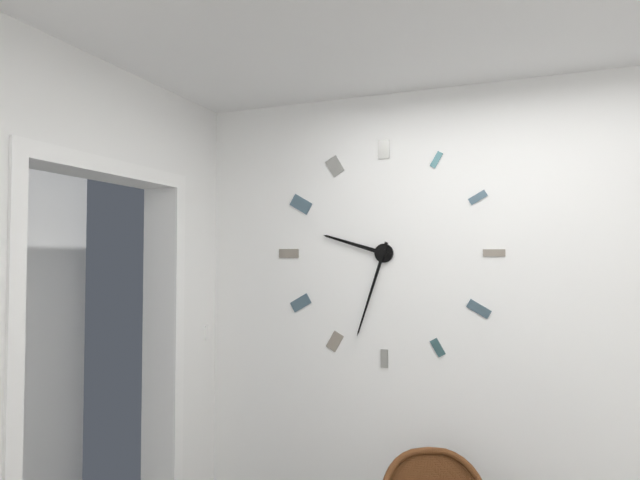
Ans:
9h33
